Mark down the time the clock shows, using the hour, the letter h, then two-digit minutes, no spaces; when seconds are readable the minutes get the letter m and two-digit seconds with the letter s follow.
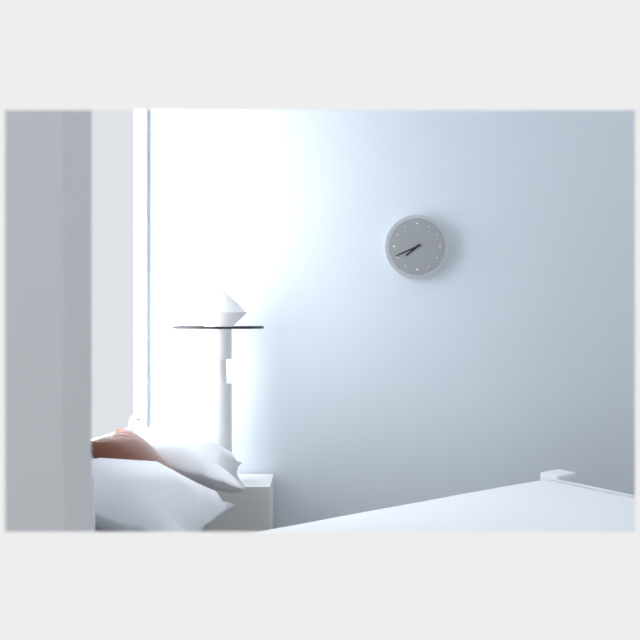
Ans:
7h41
